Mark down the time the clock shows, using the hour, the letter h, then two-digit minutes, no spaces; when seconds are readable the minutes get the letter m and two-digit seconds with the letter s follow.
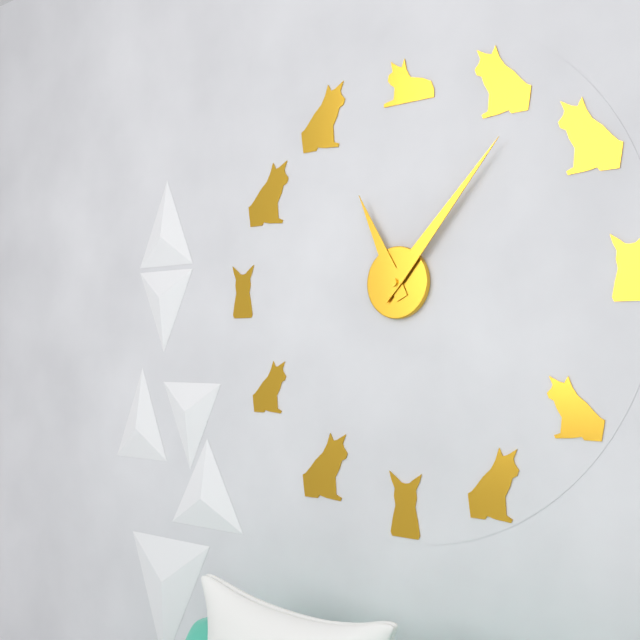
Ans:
11h07
